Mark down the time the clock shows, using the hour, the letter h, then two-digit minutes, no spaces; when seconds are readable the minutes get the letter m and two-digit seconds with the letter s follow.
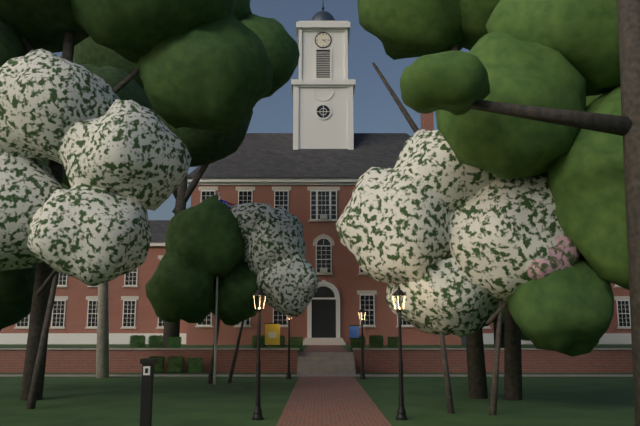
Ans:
4h15
